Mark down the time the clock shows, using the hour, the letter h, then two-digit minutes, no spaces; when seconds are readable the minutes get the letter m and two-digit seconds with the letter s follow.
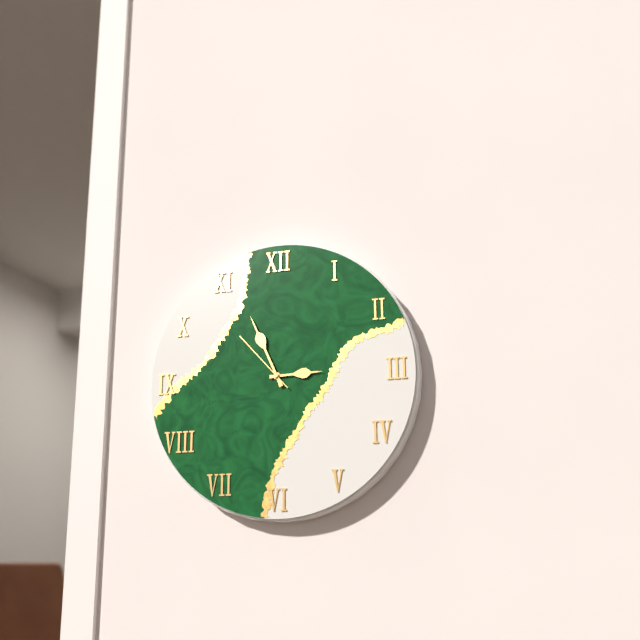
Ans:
2h56m53s
